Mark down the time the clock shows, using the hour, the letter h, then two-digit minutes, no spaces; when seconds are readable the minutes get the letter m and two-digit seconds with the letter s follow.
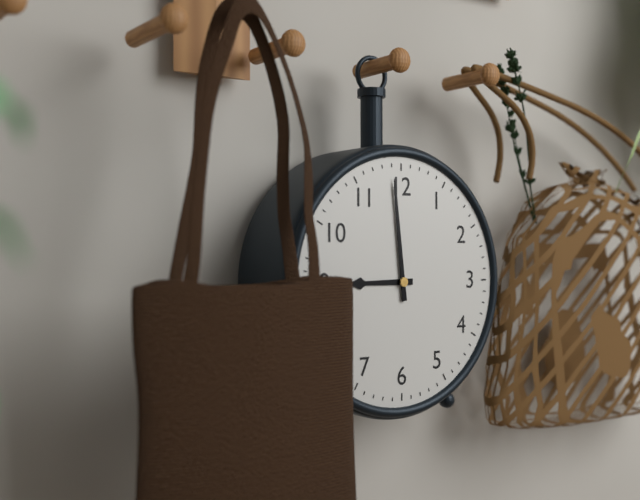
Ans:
8h59
